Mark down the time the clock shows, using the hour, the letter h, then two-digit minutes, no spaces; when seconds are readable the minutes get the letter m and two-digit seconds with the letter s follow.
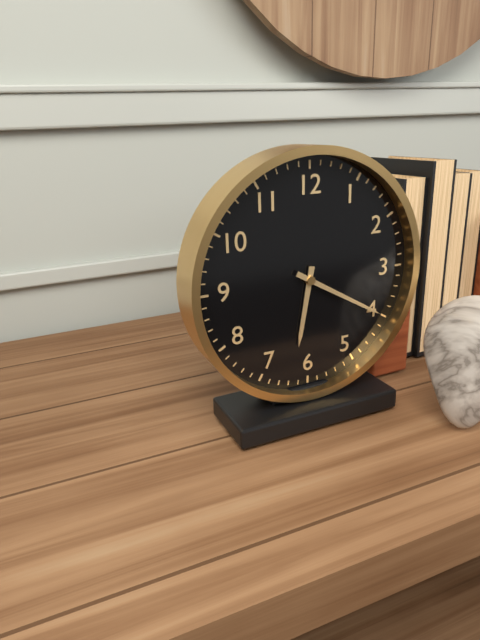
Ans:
6h20
